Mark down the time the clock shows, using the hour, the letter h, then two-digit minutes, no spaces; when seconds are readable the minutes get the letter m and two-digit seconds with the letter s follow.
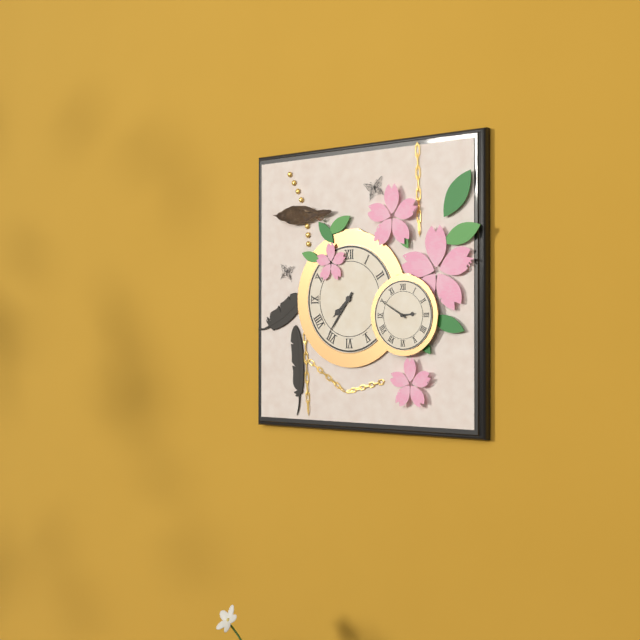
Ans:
7h36
